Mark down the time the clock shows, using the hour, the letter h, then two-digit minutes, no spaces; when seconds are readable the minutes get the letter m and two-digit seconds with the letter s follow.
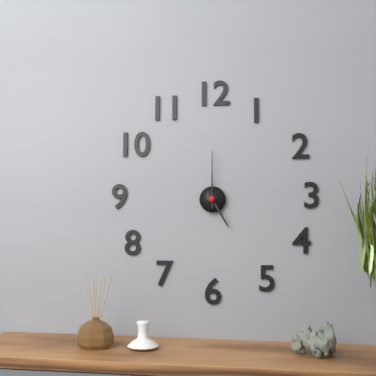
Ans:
5h00
